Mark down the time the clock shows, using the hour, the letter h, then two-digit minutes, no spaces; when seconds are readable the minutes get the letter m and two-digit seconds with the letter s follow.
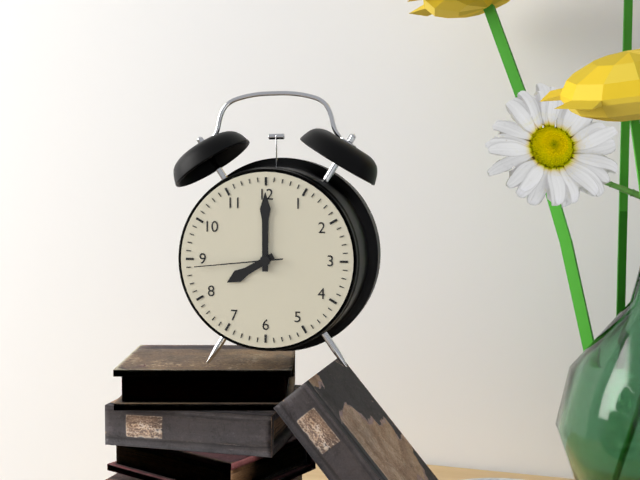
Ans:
8h00m44s
